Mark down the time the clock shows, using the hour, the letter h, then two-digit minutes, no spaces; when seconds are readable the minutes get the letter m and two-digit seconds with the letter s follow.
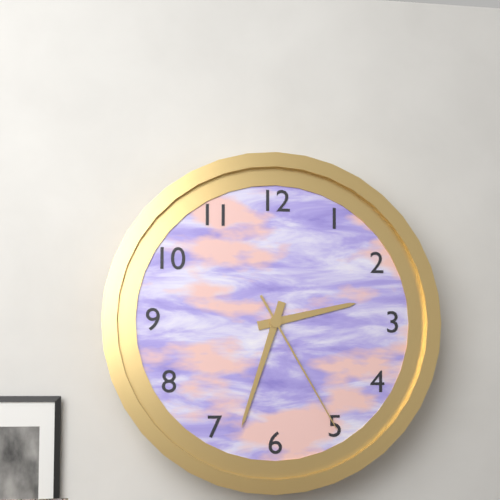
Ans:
2h33m25s
